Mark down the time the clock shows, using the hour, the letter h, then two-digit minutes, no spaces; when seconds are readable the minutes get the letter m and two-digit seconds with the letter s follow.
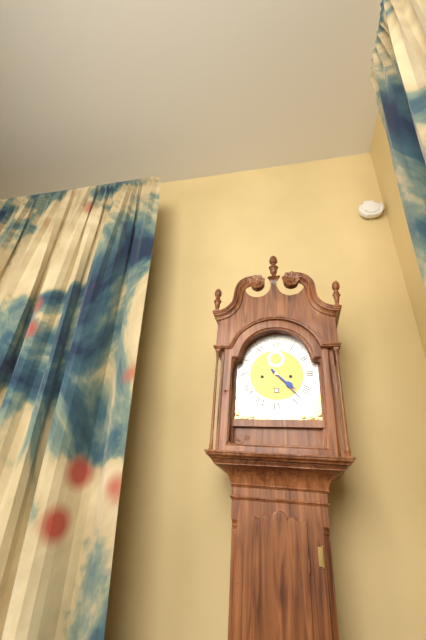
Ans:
4h23
